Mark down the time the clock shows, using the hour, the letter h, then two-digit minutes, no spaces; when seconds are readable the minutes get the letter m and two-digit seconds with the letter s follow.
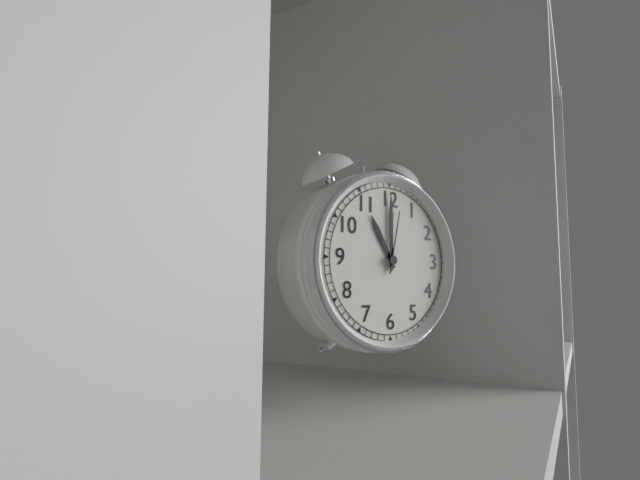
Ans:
11h00m02s
